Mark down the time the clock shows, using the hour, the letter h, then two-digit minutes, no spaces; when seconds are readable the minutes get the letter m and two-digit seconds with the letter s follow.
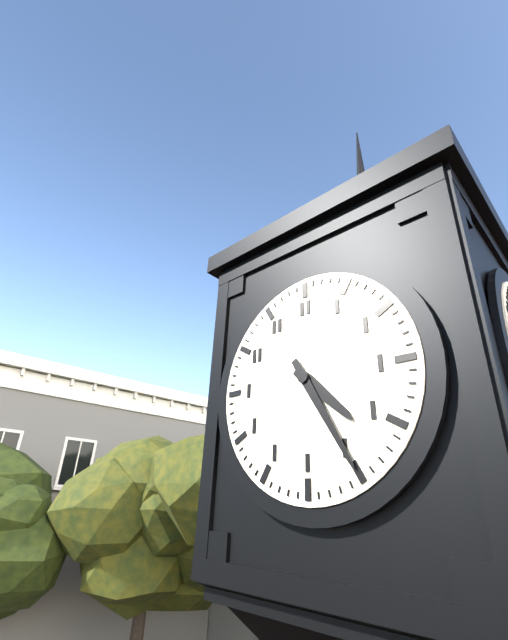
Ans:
4h25
